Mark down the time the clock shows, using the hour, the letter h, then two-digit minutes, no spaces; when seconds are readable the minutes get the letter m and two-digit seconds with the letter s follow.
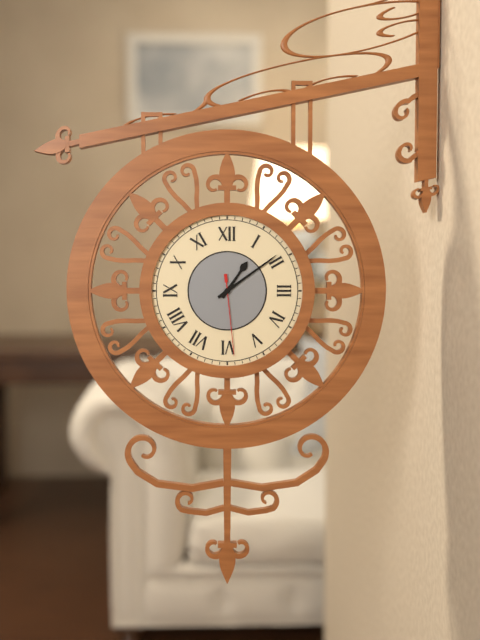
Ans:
1h09m29s
